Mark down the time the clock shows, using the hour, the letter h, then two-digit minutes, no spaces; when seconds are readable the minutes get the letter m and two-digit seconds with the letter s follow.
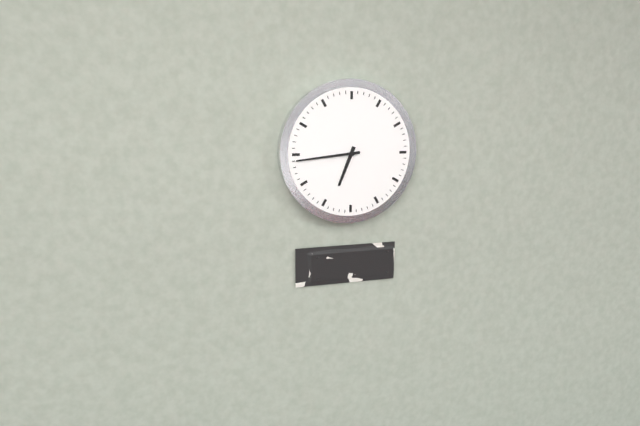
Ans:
6h44
